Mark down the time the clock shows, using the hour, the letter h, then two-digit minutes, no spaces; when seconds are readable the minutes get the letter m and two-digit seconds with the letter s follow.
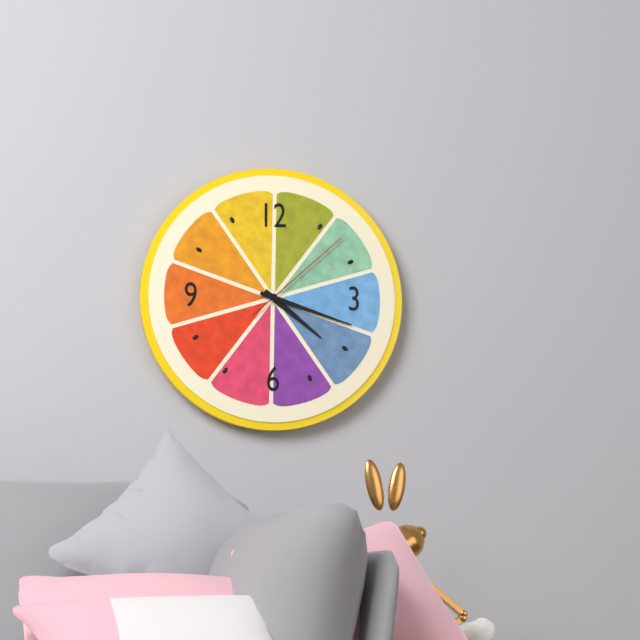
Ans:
4h18m08s
